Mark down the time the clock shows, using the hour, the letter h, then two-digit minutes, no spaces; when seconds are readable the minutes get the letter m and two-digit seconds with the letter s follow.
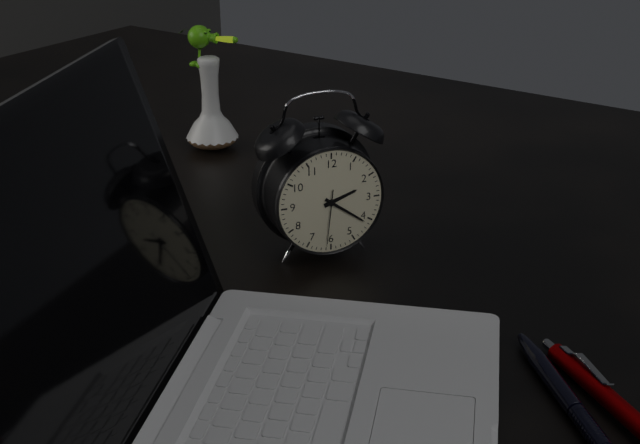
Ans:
2h21m31s
